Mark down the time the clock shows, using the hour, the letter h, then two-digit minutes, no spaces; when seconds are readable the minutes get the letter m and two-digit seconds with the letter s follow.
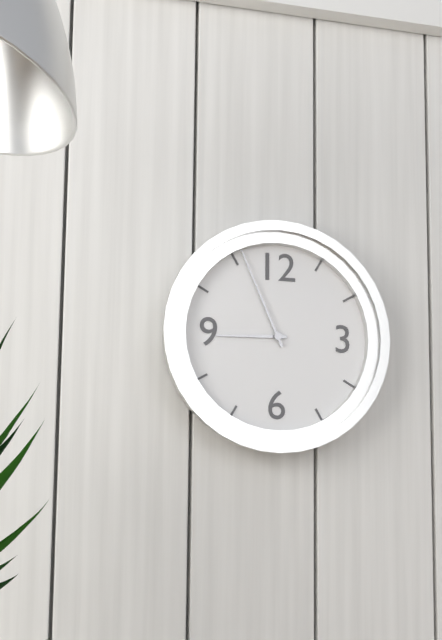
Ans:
8h56
